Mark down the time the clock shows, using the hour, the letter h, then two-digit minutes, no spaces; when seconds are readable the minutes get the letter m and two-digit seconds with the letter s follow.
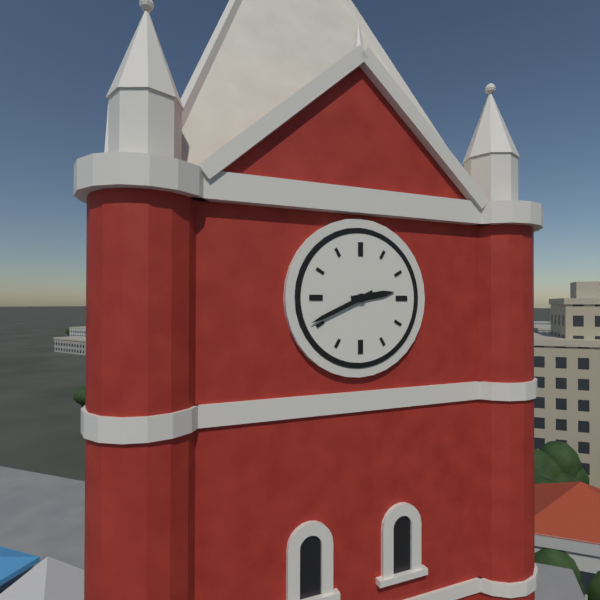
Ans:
2h41
